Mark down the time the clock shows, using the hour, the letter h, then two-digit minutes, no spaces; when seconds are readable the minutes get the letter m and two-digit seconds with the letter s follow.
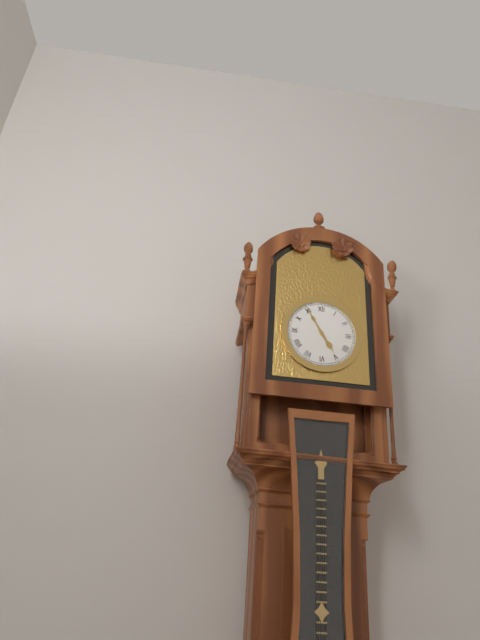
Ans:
4h55
